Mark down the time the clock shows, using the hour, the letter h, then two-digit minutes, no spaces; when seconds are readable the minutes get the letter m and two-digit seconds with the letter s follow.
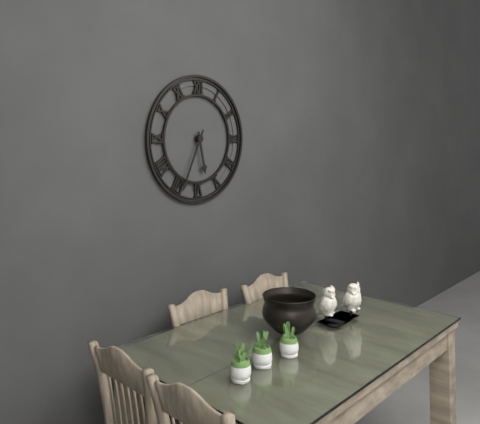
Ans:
5h34
